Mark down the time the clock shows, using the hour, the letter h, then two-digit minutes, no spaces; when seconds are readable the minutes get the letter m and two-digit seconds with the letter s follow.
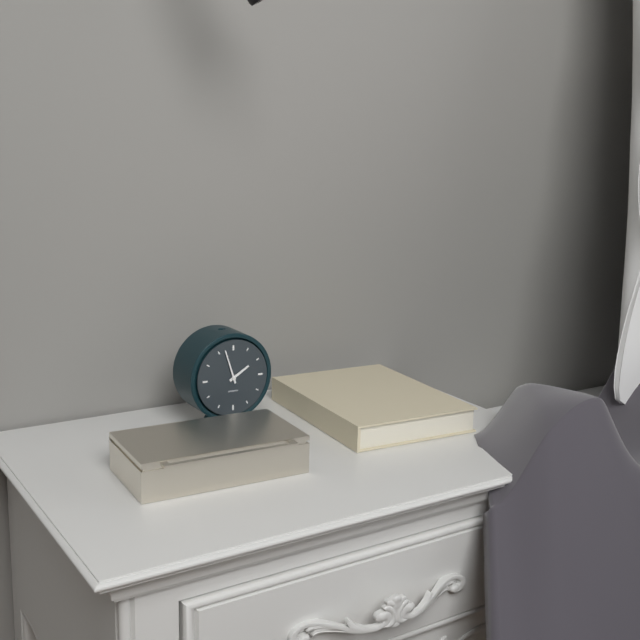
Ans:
1h57
